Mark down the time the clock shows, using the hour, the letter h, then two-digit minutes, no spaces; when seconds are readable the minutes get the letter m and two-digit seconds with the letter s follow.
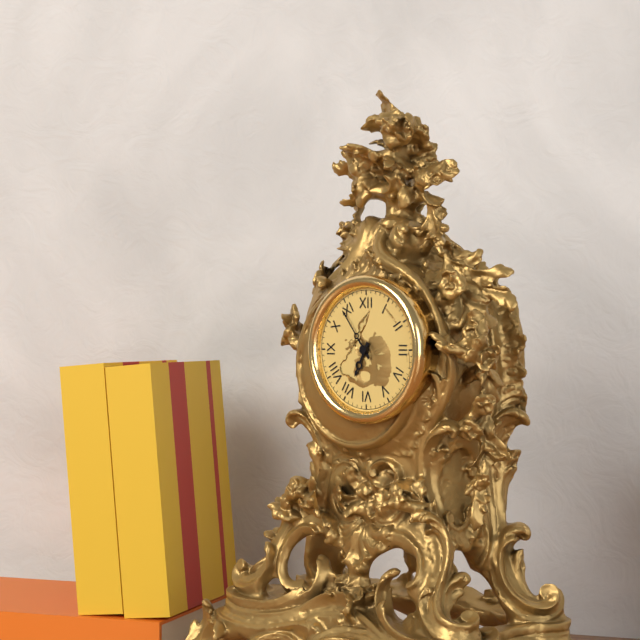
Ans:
6h54
